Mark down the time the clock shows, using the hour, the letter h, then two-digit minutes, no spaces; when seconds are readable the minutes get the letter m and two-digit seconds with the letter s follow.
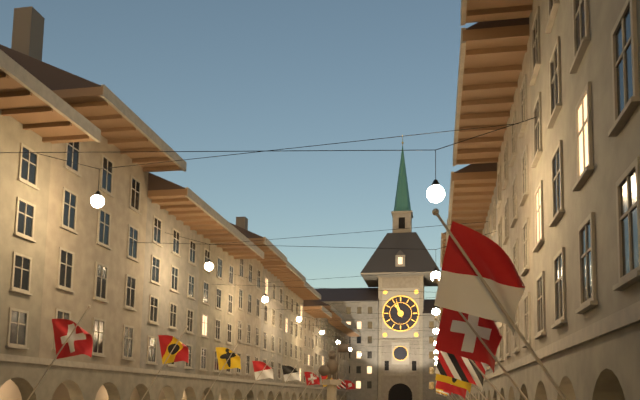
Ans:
10h57
